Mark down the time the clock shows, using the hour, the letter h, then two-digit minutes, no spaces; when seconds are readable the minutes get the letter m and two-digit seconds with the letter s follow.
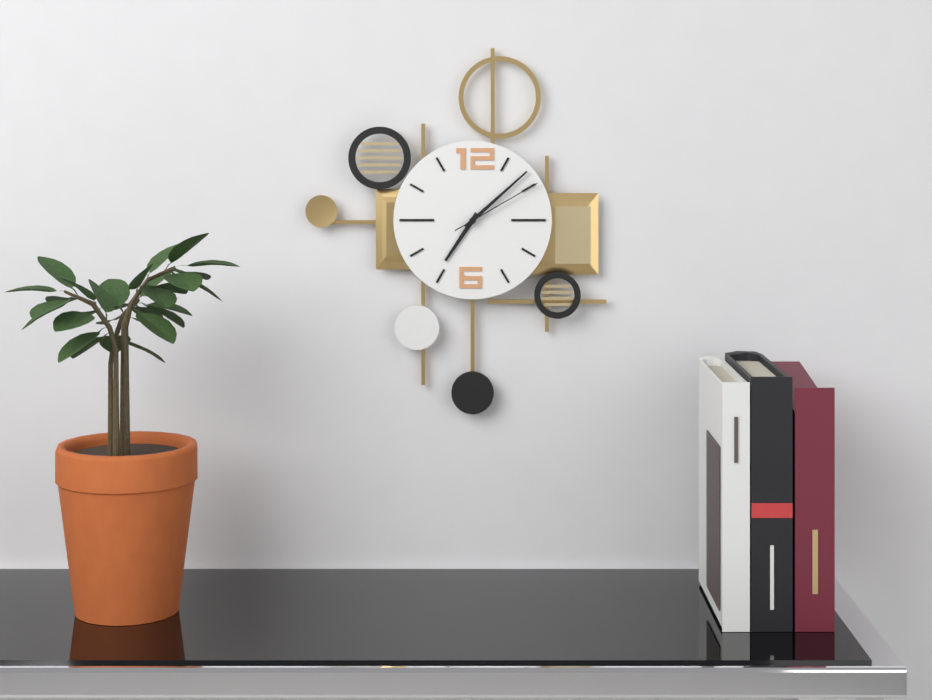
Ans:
7h08m10s
